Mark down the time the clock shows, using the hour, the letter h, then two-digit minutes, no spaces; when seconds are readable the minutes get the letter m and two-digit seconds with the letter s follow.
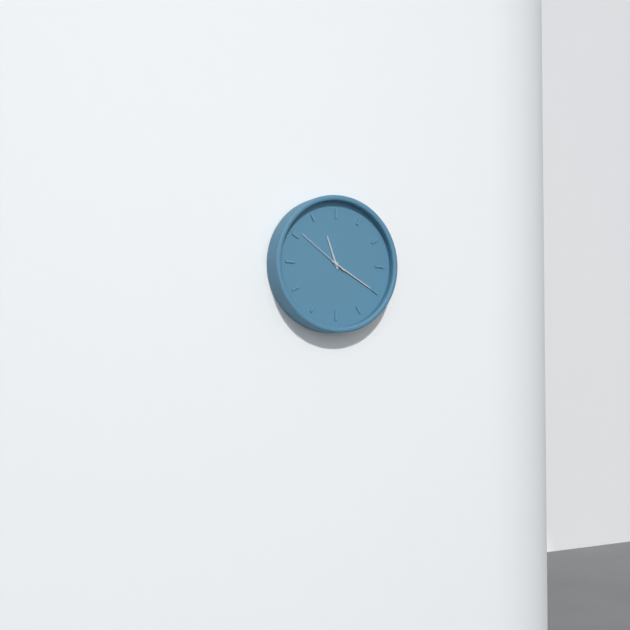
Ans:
11h20m51s
